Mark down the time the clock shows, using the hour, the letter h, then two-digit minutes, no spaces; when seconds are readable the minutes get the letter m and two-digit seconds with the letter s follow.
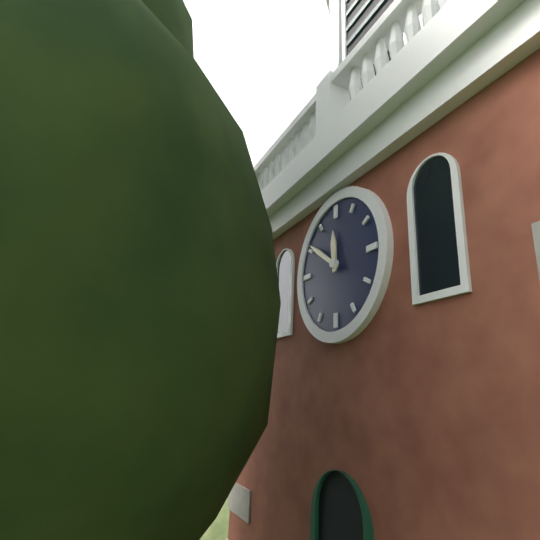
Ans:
11h51
